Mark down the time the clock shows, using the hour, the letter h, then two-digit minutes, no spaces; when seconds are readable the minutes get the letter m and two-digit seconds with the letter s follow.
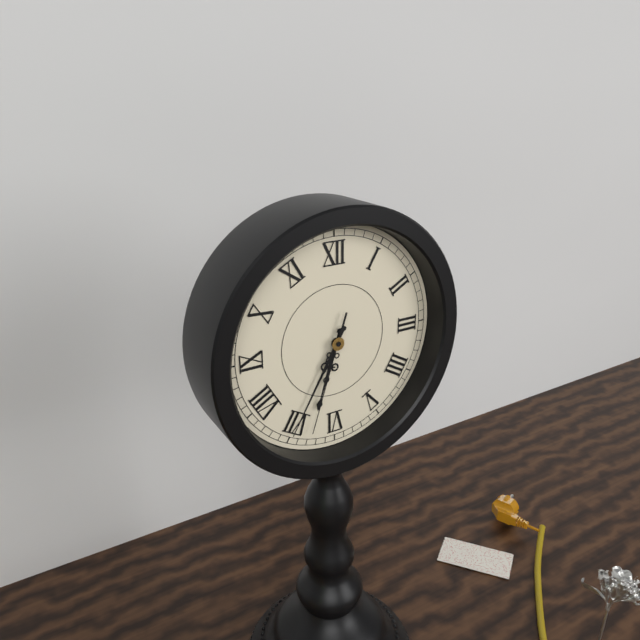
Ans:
6h35m33s
